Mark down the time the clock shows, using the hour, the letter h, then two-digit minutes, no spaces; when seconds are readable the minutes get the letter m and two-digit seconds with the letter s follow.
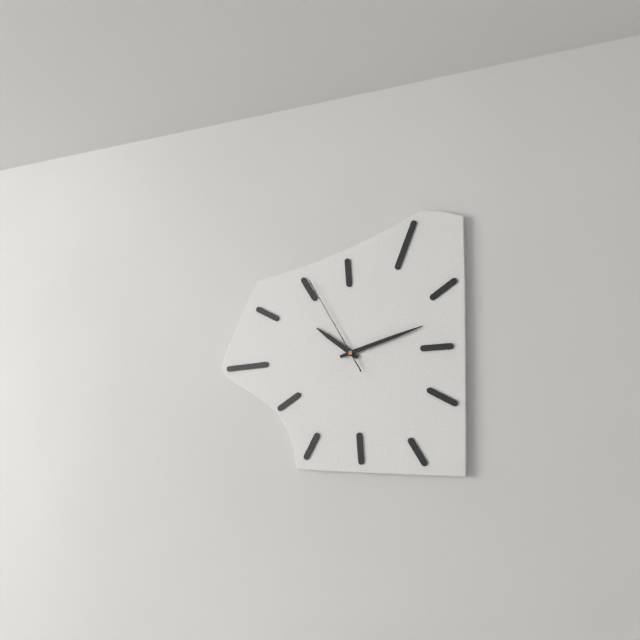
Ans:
10h12m55s
